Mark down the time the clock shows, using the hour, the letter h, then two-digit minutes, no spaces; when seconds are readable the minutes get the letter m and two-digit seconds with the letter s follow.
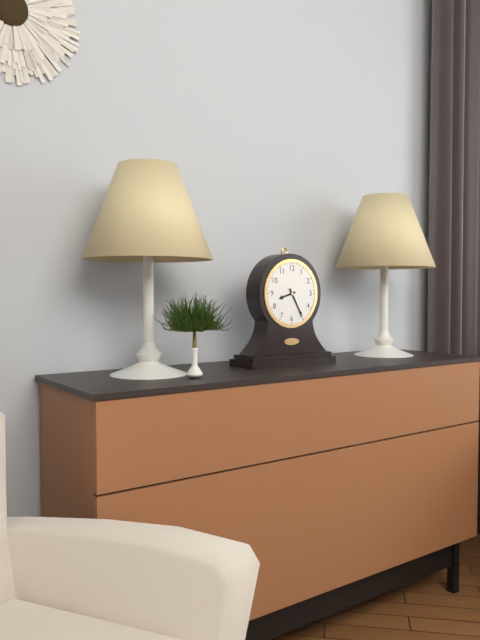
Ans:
8h25
